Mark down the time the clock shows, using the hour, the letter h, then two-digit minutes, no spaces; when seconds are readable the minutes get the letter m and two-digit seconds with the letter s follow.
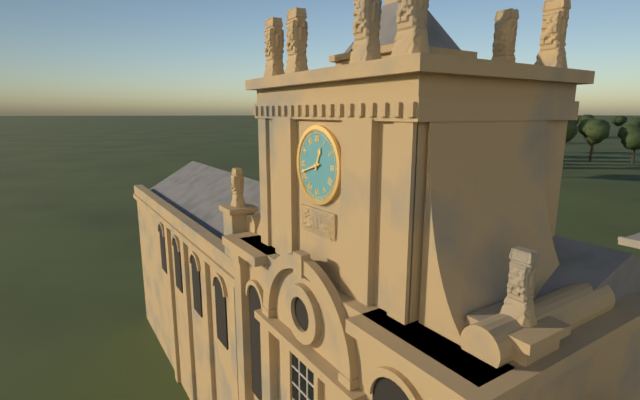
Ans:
12h42
